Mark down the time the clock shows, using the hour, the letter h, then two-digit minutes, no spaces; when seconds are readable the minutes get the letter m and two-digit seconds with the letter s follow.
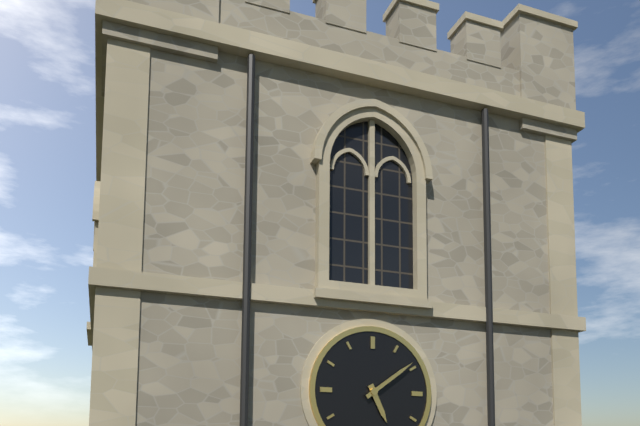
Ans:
5h09
